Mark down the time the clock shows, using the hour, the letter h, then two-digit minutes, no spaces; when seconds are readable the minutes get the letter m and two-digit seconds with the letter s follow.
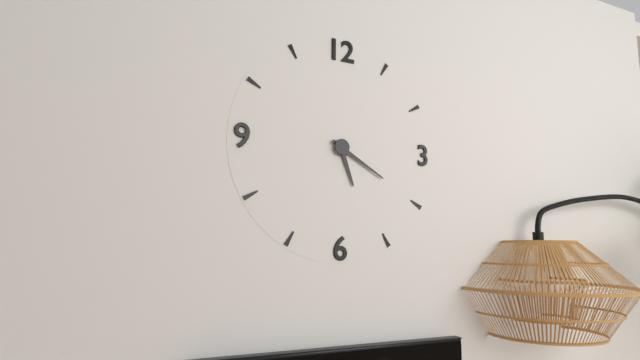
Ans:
5h20
